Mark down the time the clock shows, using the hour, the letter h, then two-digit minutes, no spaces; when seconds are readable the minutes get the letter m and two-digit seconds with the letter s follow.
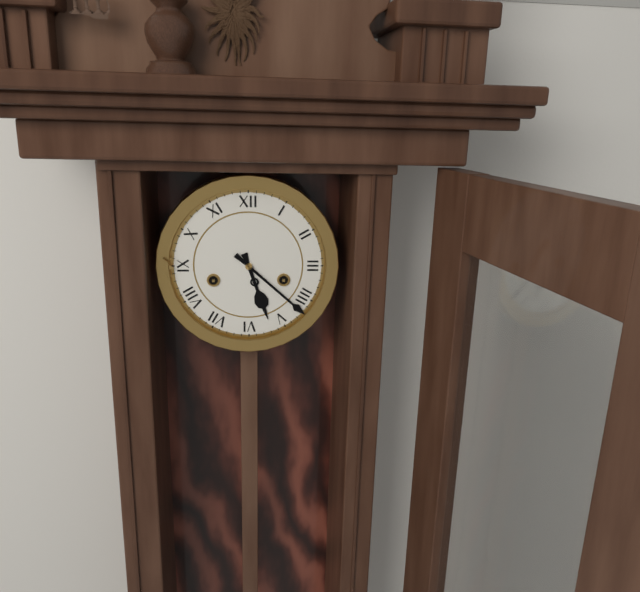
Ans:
5h22
